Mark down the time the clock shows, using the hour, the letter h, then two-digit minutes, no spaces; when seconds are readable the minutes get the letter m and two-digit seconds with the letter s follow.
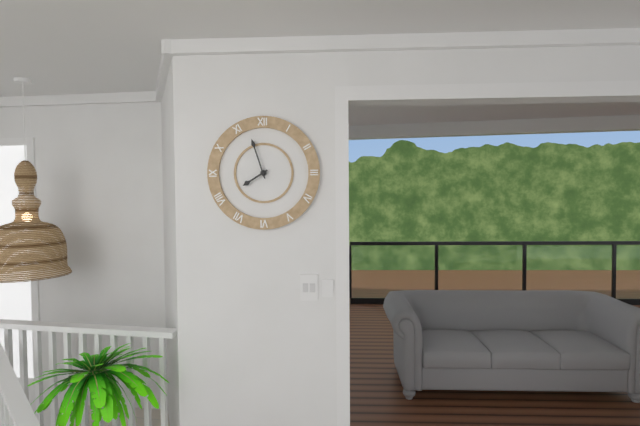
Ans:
7h57
